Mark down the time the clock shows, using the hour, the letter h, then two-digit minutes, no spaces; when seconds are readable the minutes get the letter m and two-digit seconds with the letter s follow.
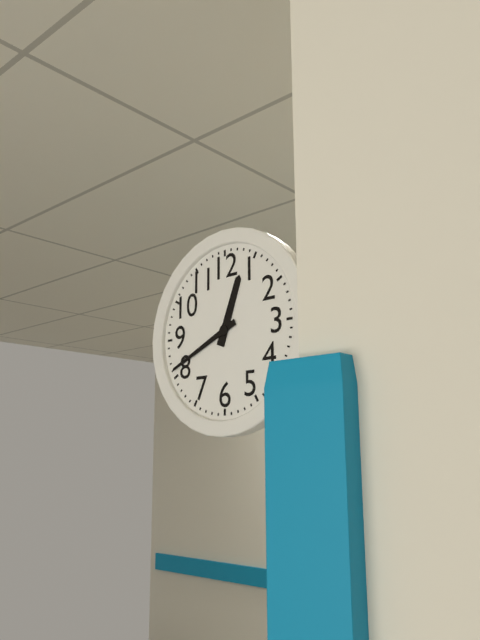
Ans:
12h41
